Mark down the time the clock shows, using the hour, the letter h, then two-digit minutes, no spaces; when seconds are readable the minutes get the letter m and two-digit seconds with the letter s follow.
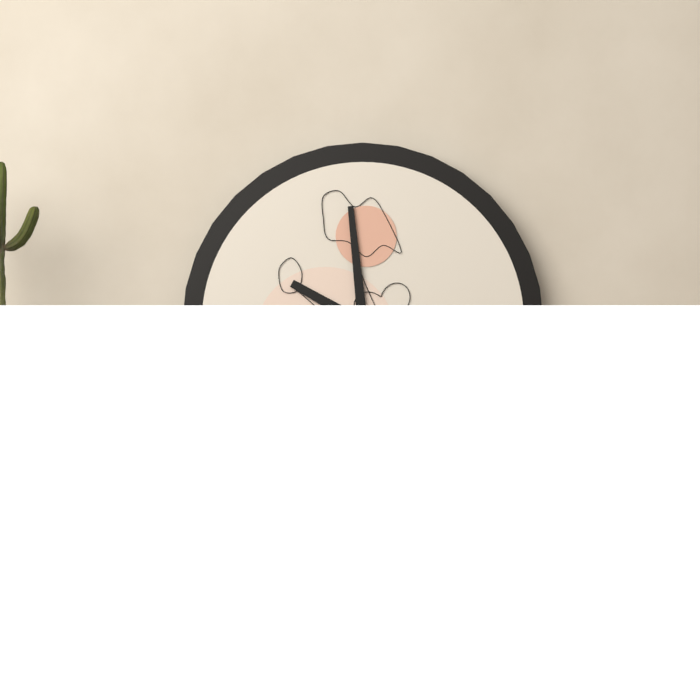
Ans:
9h59
